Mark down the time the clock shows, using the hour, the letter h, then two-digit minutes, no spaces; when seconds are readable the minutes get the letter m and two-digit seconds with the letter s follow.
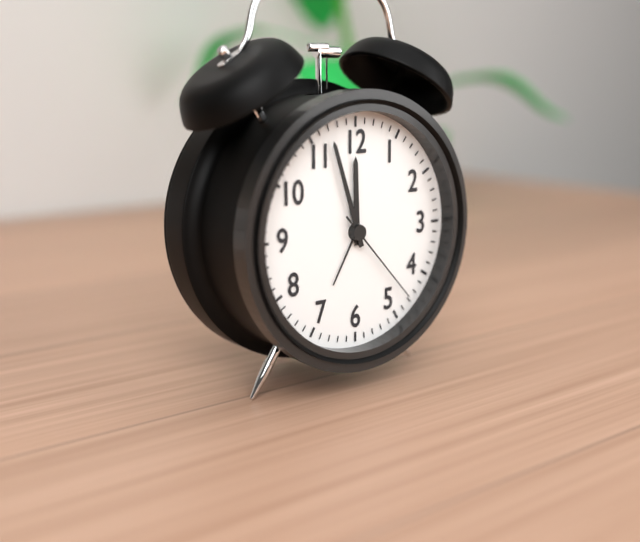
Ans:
11h57m23s
